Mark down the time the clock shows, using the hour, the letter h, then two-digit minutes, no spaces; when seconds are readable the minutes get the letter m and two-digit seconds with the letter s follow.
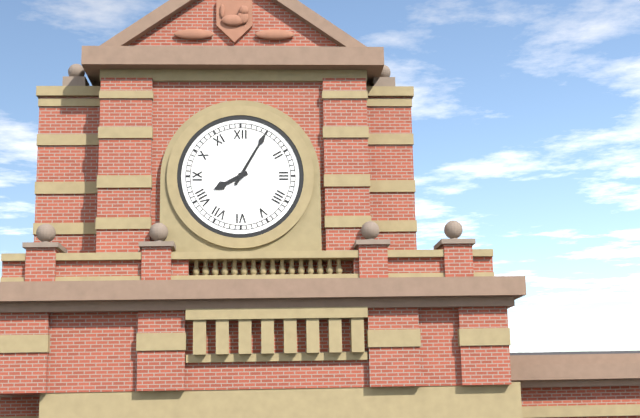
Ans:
8h05
